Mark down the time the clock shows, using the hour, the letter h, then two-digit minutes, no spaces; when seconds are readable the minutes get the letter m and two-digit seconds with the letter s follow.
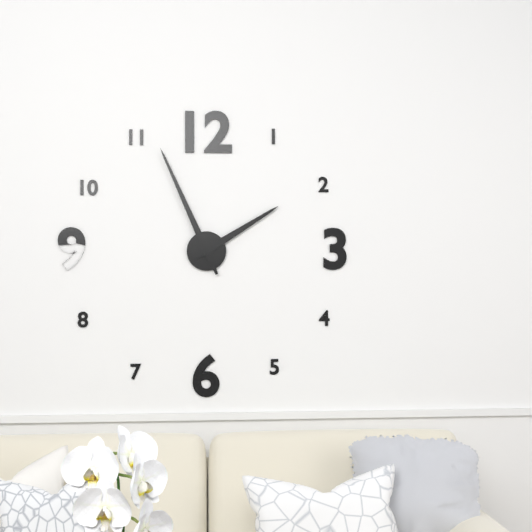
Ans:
1h56
